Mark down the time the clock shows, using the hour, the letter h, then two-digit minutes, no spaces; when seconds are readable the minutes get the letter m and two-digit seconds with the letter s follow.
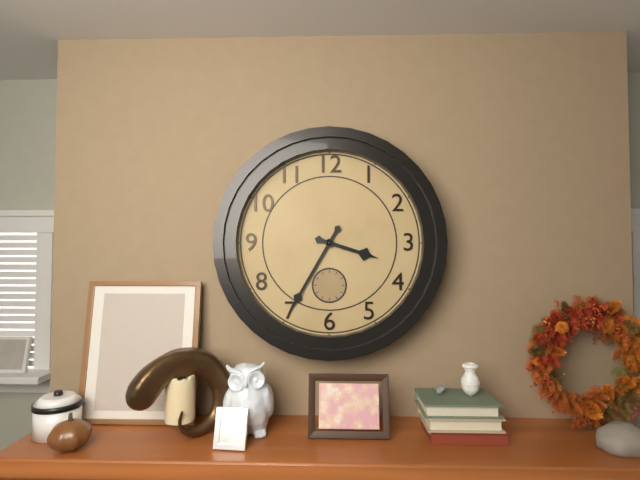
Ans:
3h35
